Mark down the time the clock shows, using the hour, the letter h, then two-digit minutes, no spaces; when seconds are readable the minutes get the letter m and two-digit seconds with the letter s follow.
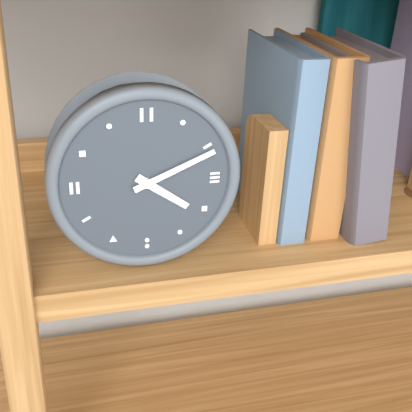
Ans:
4h11
